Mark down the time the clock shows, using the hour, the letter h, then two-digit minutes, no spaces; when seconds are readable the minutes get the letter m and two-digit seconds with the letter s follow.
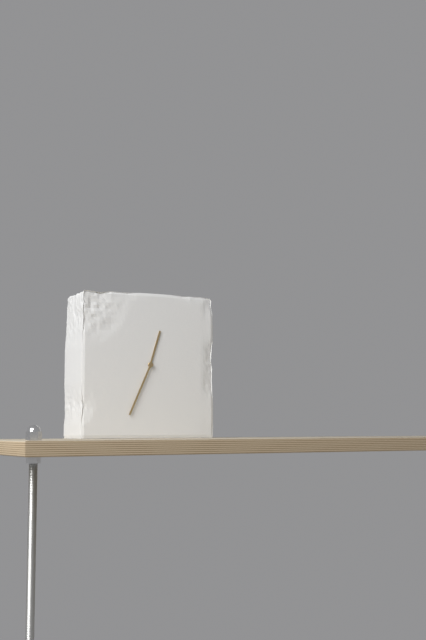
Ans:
12h34
